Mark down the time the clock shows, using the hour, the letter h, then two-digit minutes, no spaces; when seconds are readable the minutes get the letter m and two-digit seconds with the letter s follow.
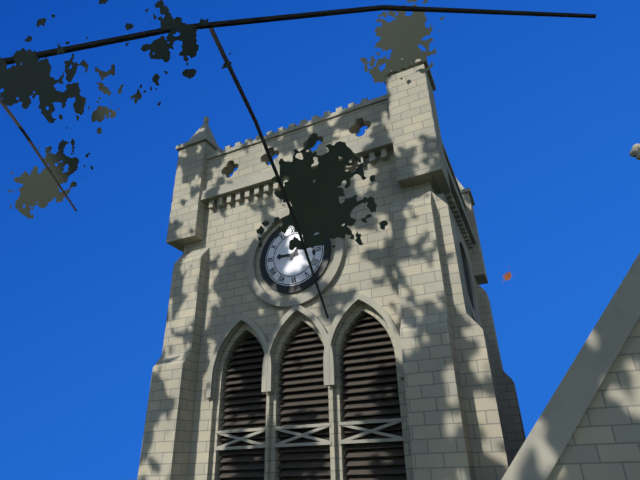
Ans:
9h06
